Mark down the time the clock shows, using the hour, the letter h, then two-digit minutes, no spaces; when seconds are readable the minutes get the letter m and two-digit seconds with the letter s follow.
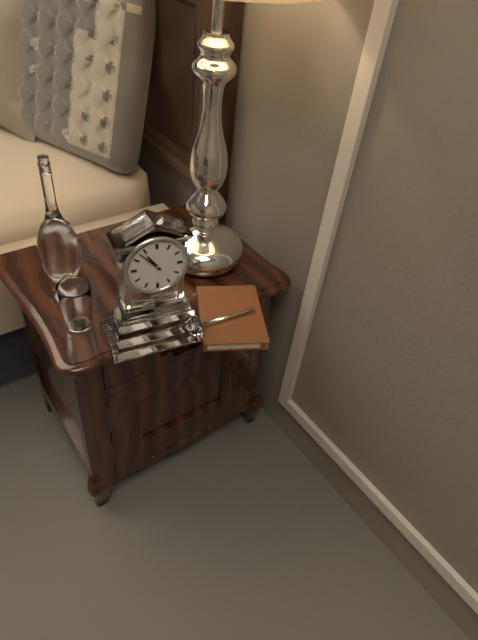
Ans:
10h53
